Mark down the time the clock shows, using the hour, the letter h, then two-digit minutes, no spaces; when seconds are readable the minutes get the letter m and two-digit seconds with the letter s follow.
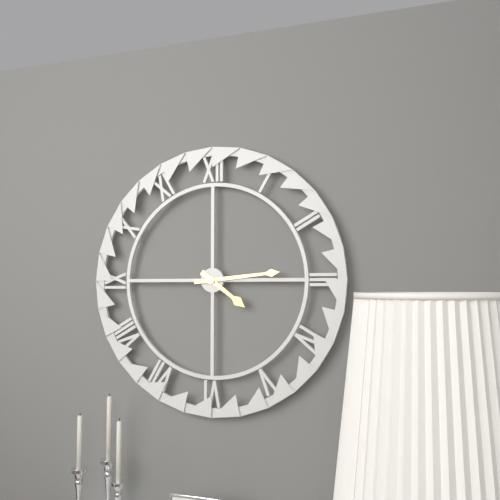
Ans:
4h14
